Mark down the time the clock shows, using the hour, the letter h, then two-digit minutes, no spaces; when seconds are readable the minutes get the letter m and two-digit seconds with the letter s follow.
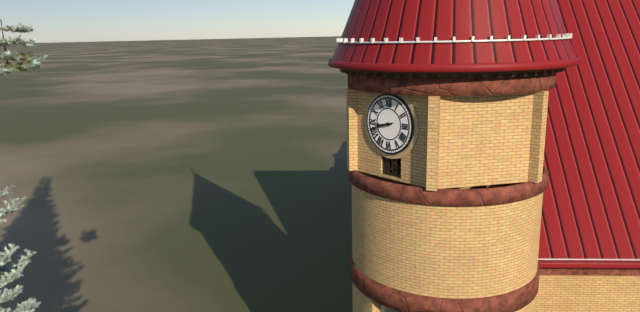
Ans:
8h42
